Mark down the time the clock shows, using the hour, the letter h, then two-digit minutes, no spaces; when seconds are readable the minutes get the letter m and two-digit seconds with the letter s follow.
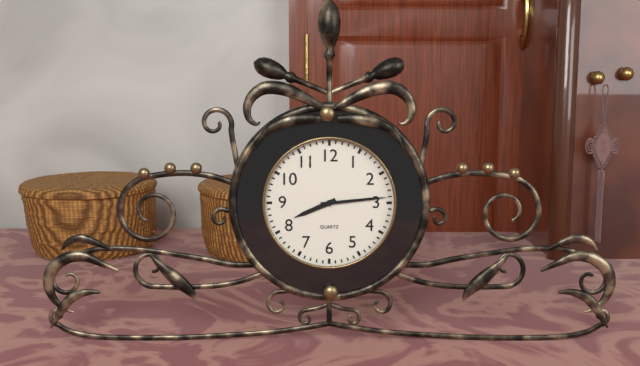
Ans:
8h14
